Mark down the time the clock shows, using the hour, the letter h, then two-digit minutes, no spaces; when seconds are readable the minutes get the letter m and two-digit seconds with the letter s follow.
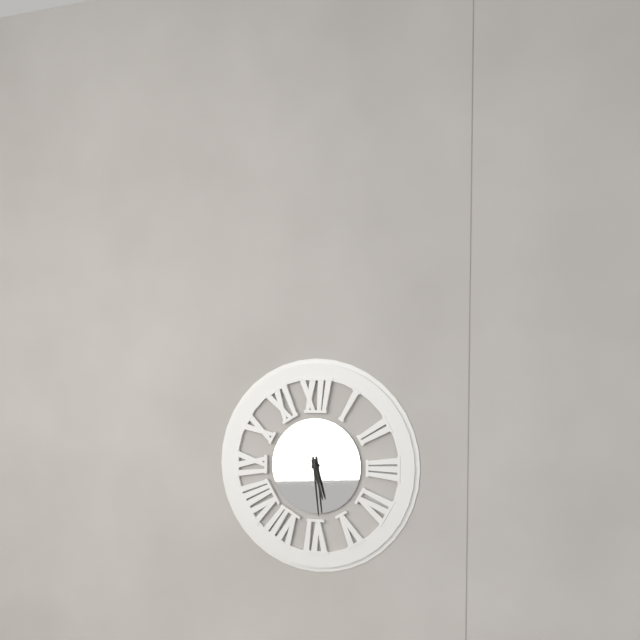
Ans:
5h29
